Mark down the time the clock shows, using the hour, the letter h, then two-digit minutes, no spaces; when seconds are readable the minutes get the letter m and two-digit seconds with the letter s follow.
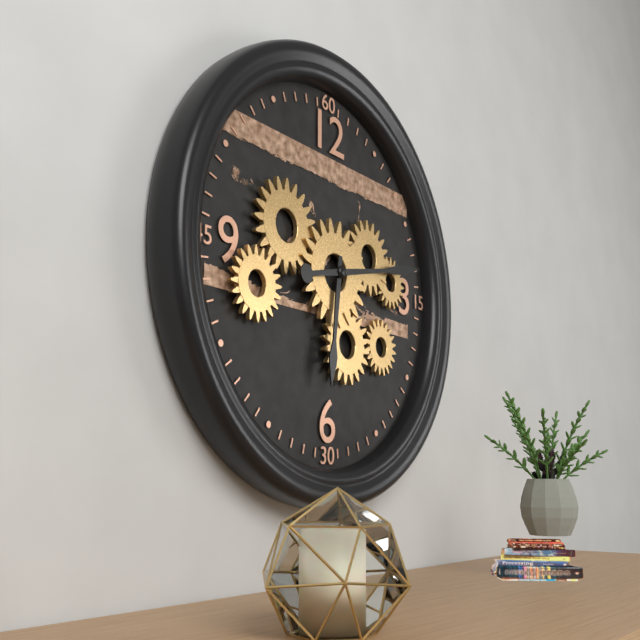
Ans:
6h13
